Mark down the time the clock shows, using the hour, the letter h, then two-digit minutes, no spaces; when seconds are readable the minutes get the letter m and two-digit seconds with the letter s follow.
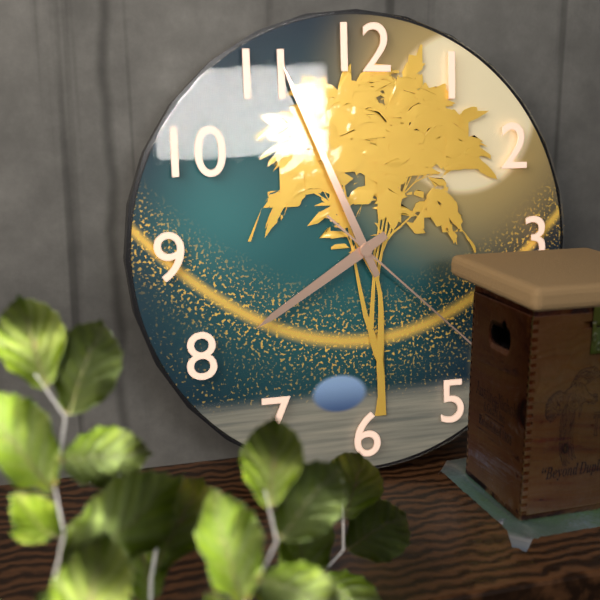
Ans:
7h56m22s
